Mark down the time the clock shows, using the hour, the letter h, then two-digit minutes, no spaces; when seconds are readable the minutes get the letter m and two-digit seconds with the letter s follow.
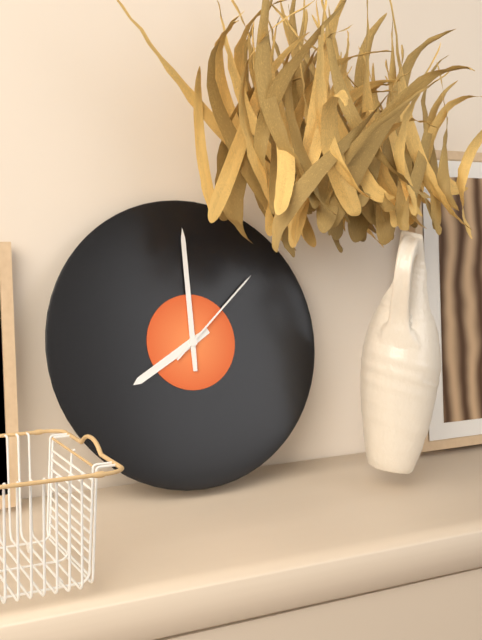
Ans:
8h00m08s
